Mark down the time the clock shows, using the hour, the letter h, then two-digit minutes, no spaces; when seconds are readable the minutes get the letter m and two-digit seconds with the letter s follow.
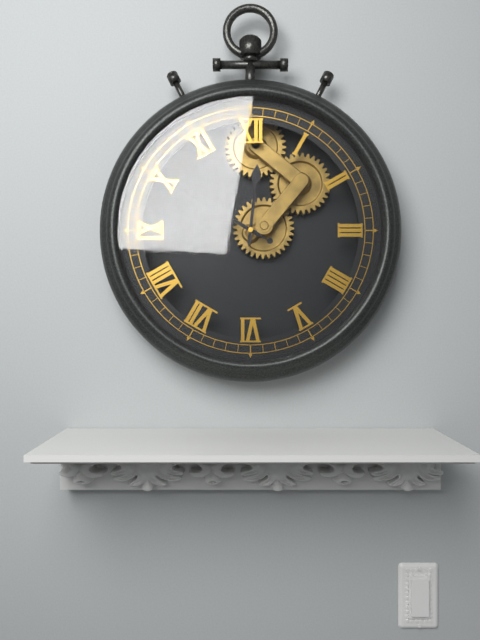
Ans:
10h01m50s
